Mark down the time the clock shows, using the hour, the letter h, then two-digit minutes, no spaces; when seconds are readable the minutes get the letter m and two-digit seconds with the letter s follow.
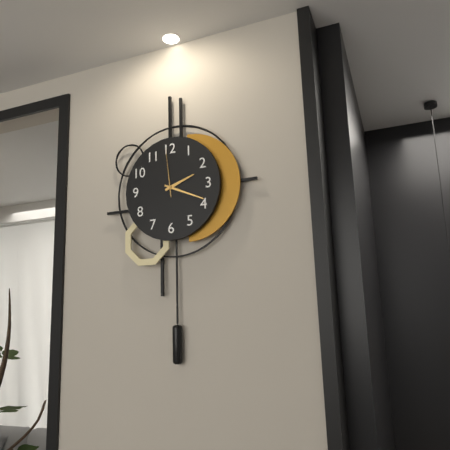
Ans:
2h19
